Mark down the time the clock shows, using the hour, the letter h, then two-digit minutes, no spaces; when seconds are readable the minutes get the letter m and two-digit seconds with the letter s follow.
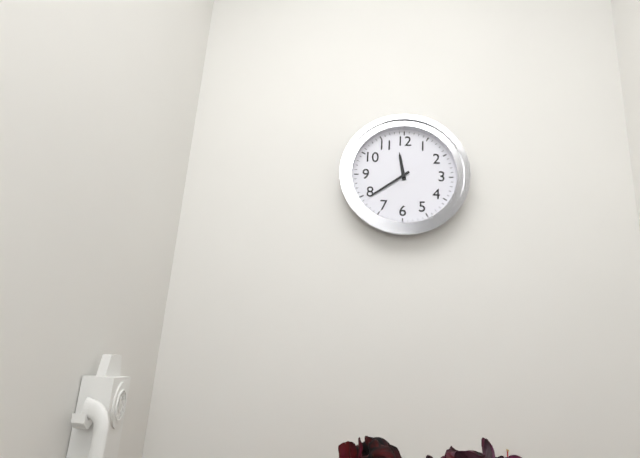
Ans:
11h39
